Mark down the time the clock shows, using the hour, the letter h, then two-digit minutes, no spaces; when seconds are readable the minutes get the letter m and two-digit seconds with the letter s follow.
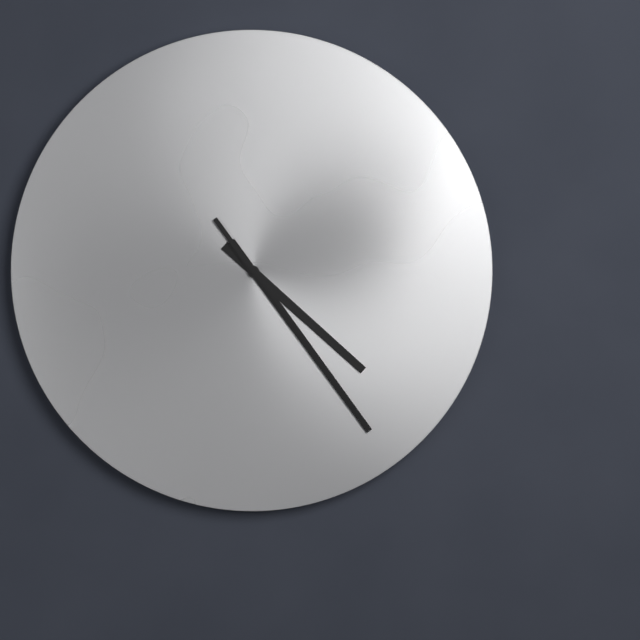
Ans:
4h24m24s
